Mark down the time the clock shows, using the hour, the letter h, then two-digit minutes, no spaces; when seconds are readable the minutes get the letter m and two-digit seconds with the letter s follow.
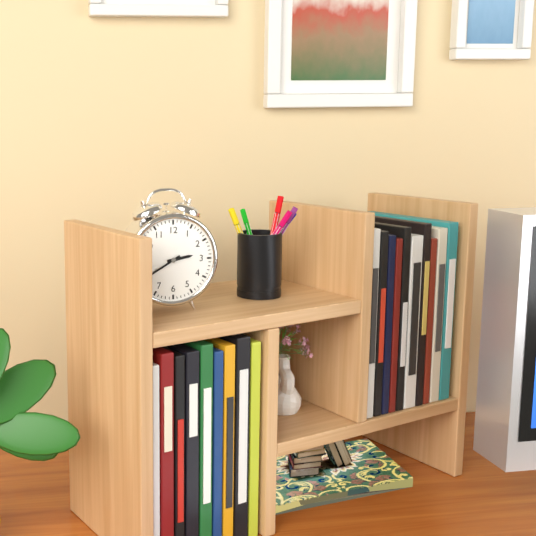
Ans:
2h40
